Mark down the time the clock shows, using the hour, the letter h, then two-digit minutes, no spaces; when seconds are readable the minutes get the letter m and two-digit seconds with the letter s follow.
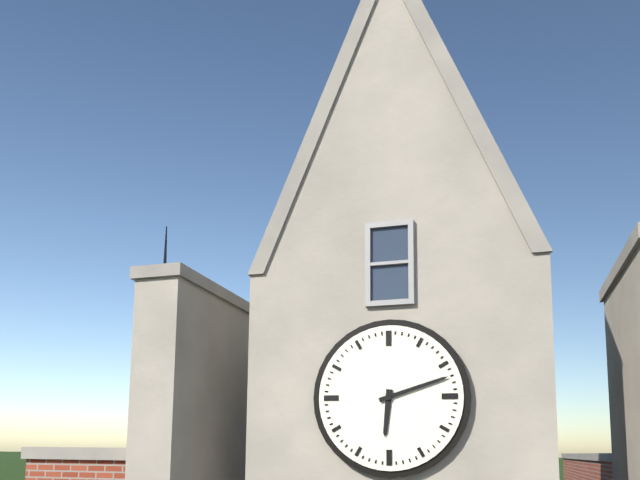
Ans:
6h12
